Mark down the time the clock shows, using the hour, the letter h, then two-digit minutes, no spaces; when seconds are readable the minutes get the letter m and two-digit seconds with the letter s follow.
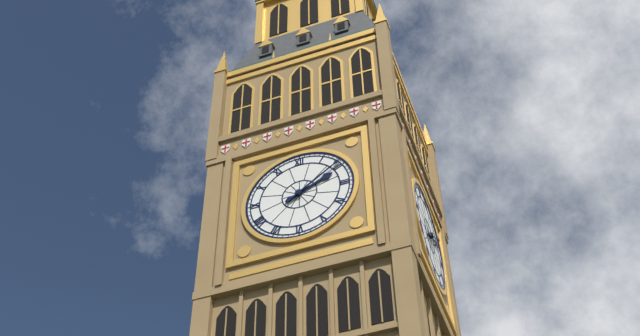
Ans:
2h09
